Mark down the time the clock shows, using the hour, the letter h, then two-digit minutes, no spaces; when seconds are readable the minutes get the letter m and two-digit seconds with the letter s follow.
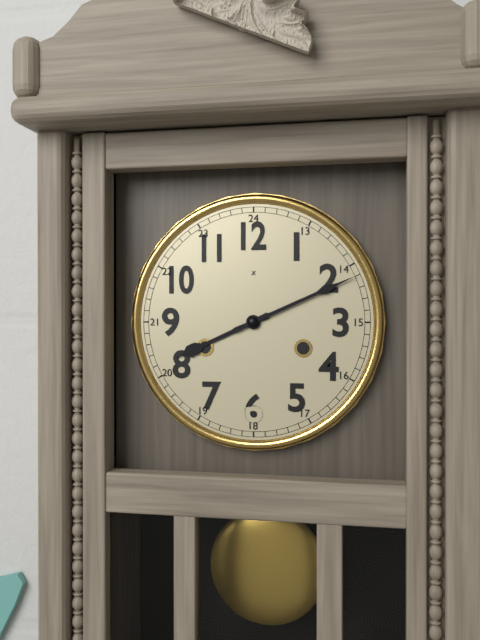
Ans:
8h11
